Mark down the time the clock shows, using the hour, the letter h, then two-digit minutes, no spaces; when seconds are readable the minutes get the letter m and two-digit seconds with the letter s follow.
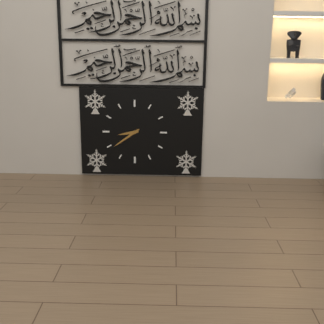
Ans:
8h39
